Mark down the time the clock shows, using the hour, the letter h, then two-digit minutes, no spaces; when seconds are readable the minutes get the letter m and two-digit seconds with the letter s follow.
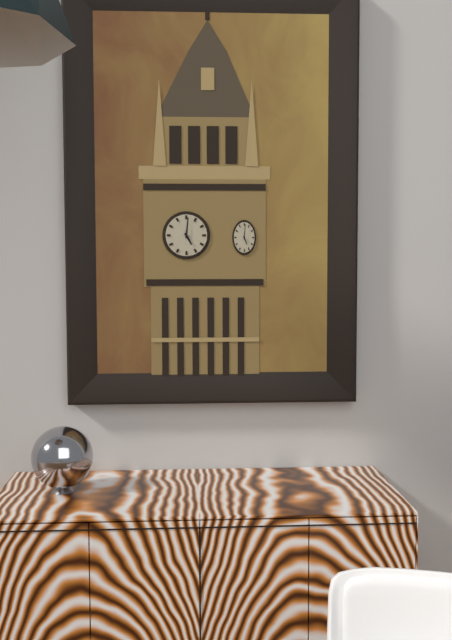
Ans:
5h01
